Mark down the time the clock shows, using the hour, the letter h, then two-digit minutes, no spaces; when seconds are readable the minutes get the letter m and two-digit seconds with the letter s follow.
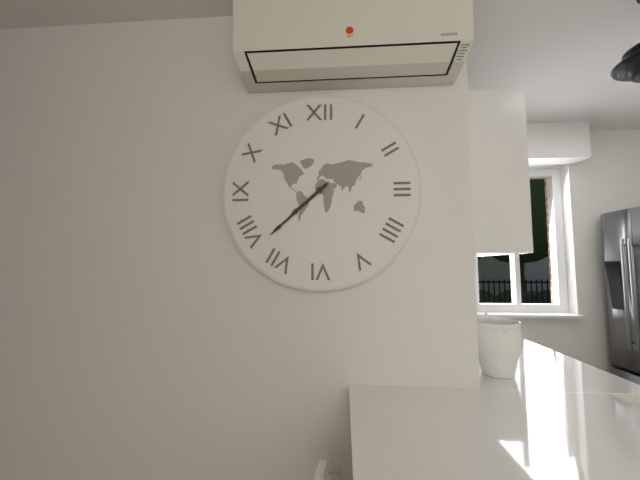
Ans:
7h38
